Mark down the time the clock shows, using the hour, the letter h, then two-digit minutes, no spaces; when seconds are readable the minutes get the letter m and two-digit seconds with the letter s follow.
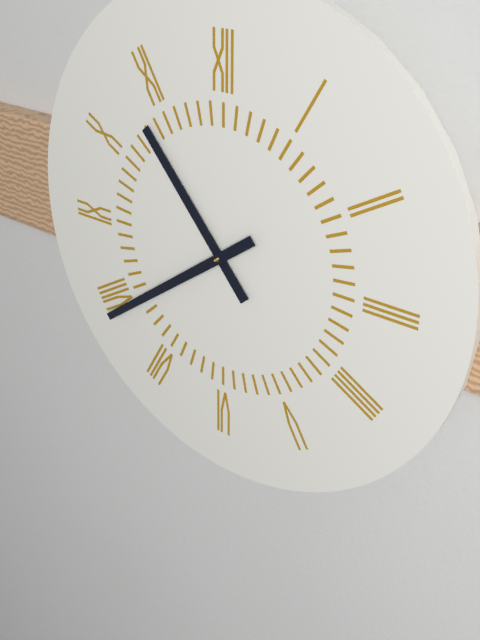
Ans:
10h39
